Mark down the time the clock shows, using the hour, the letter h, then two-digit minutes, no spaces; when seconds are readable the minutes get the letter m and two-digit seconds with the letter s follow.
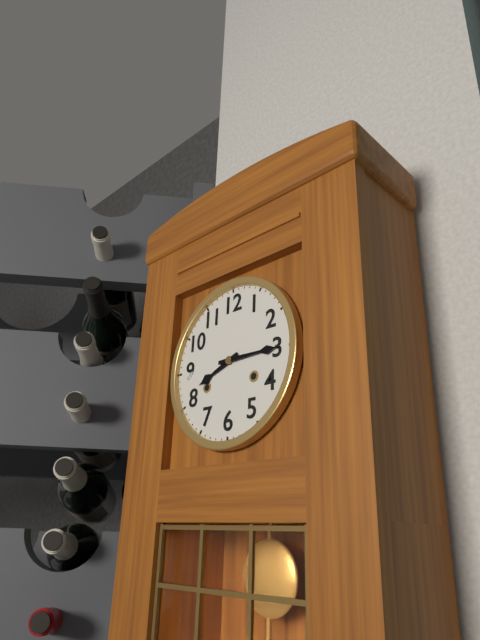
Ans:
8h15
